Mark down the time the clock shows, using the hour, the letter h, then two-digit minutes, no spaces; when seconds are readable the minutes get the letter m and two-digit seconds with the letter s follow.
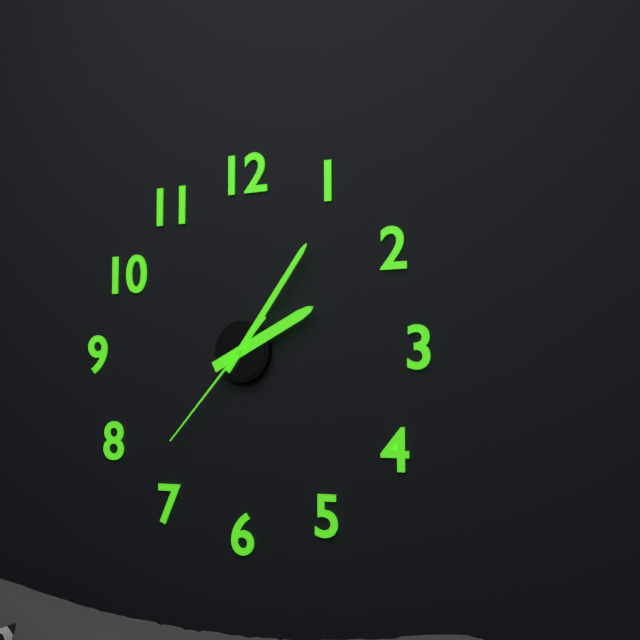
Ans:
2h06m37s
